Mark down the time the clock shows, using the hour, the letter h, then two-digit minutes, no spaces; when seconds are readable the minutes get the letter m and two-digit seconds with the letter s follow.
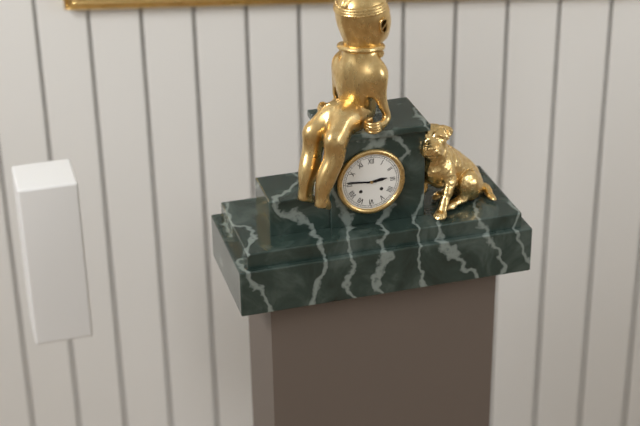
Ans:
2h46
